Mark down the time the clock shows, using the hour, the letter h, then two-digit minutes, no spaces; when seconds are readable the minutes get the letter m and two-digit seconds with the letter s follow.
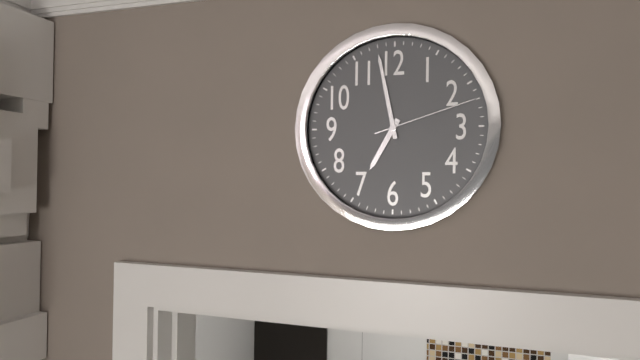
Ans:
6h58m12s
